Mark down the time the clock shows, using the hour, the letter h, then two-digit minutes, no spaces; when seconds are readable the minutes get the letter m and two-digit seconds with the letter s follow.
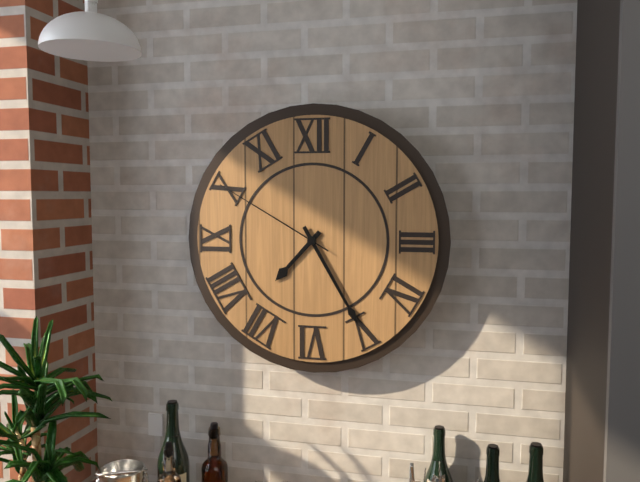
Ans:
7h25m50s
